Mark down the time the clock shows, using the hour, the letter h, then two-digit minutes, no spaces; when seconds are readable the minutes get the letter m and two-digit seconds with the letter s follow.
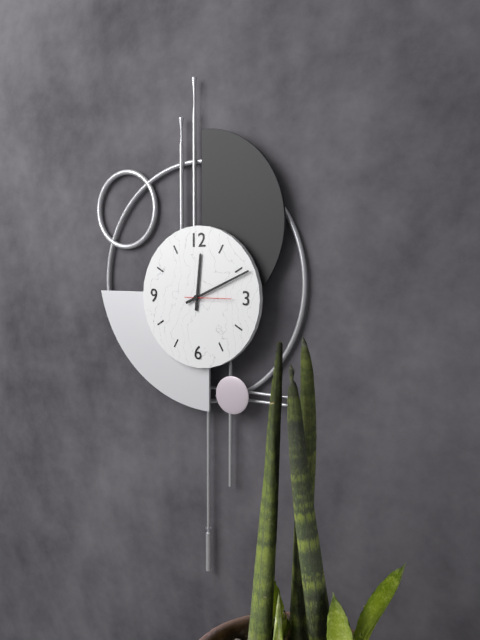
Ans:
12h11
